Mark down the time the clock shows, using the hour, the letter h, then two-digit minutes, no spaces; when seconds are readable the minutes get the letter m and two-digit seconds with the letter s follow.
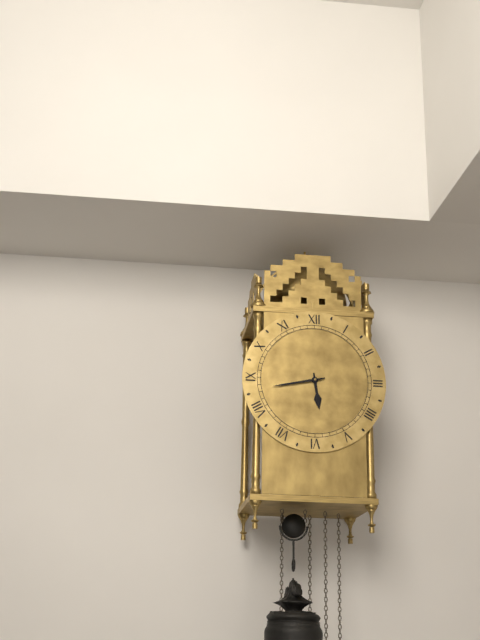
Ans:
5h43
